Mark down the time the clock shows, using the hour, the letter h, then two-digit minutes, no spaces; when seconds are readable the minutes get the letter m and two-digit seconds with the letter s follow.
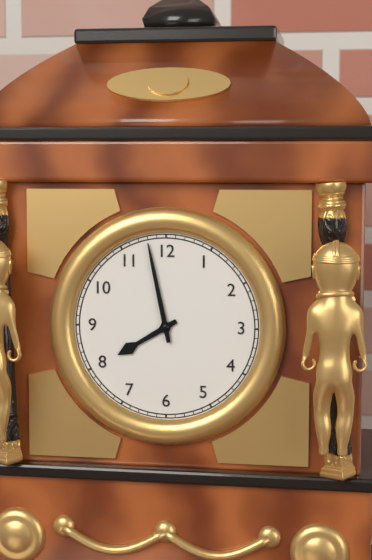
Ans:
7h58
